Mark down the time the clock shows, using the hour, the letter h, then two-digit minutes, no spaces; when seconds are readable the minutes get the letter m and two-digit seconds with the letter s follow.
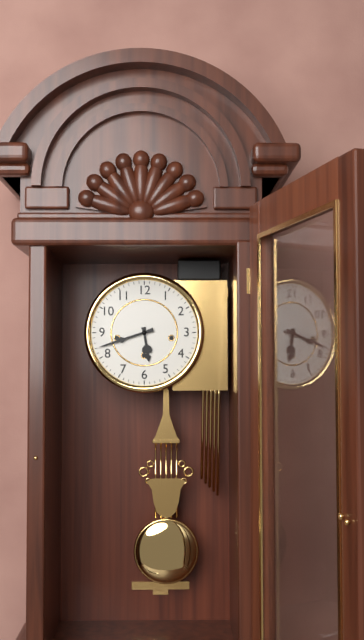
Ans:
5h42
